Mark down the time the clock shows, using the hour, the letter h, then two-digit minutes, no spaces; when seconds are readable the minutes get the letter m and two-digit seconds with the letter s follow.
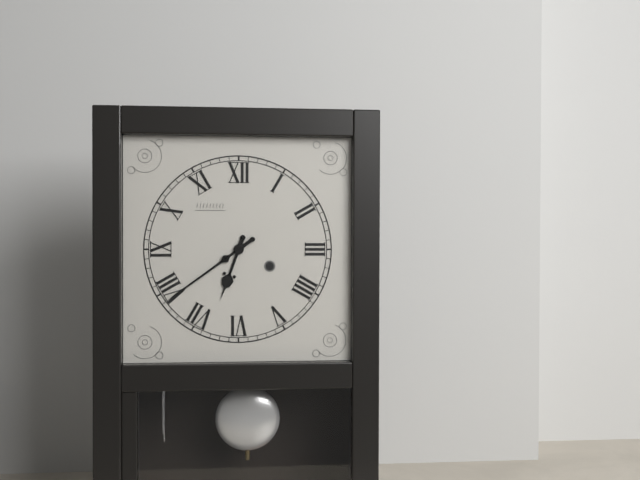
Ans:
6h39
